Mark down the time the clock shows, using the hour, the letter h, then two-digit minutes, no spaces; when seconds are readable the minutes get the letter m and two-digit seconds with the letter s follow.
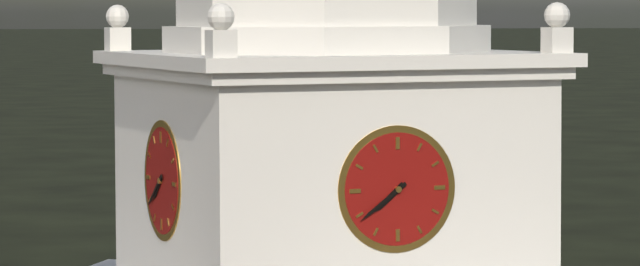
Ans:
7h39
